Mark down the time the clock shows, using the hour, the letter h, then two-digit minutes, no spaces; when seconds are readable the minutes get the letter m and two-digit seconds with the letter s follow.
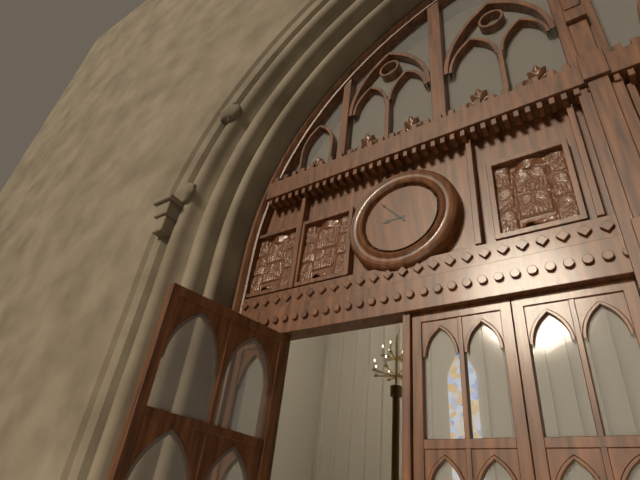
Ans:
8h53
